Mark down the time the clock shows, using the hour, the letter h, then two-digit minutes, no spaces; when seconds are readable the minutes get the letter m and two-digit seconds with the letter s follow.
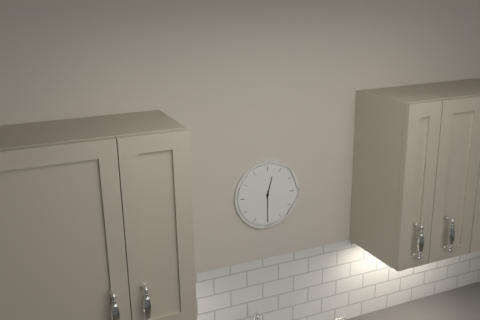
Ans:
12h30
